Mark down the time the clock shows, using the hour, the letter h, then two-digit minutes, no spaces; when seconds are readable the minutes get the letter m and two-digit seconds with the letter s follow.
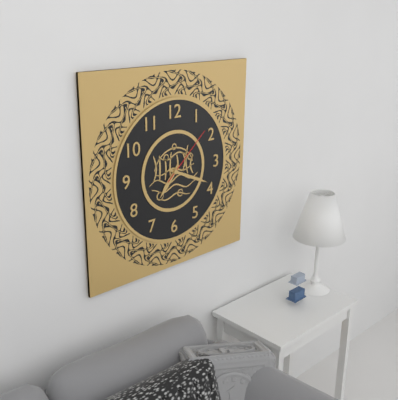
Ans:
7h19m08s
